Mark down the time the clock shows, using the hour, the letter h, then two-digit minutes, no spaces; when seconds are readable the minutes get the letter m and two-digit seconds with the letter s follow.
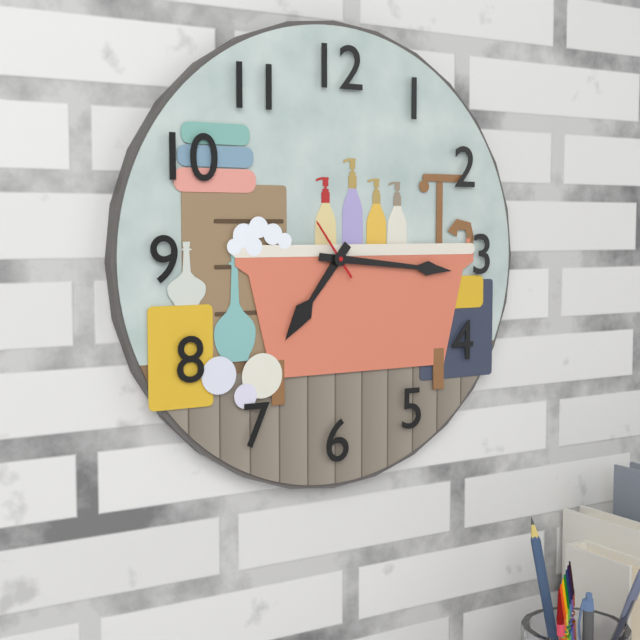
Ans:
7h16m54s
